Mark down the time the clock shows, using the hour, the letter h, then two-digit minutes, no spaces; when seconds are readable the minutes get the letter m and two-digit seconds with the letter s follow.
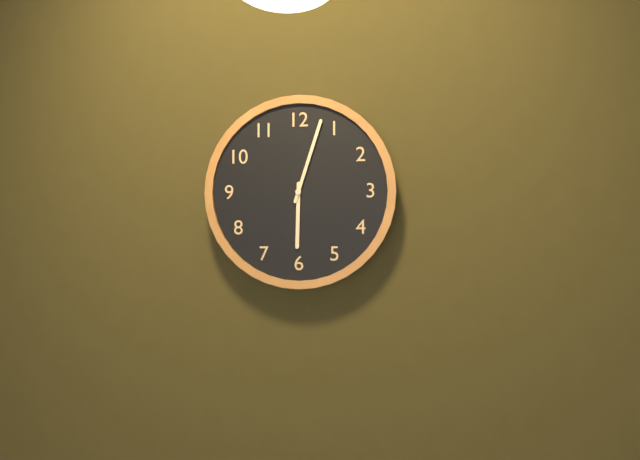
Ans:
6h03
